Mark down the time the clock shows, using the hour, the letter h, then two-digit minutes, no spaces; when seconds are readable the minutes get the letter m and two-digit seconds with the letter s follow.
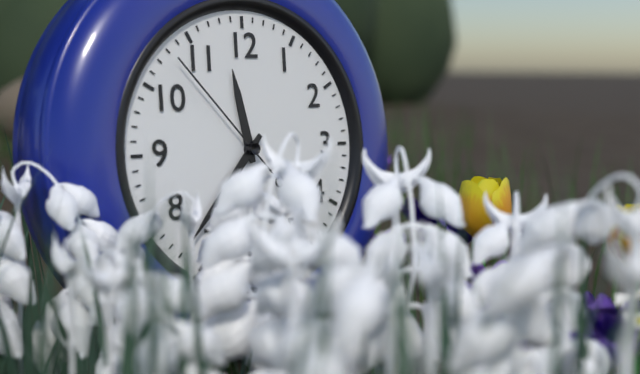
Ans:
11h37m53s
